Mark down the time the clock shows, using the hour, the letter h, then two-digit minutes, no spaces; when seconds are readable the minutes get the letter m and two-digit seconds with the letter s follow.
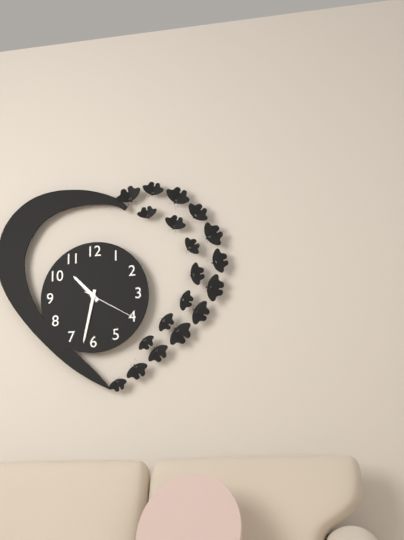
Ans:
10h32m20s
